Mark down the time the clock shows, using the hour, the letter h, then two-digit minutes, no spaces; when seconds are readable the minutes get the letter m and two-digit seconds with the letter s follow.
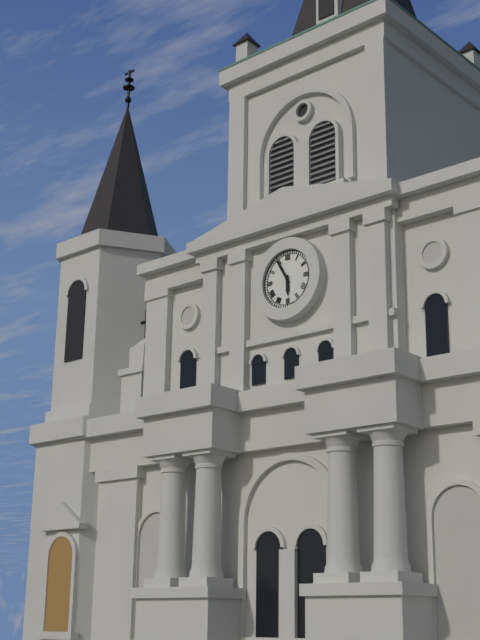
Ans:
5h55
